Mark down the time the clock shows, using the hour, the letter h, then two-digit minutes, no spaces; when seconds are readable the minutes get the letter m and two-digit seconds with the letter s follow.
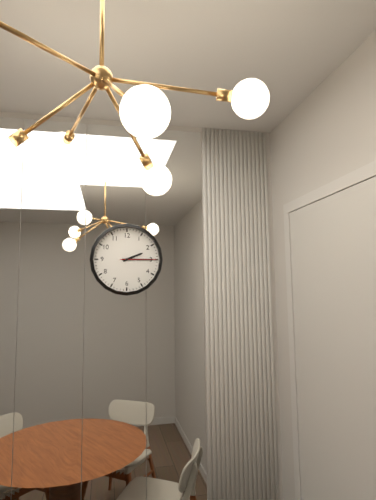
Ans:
2h15
